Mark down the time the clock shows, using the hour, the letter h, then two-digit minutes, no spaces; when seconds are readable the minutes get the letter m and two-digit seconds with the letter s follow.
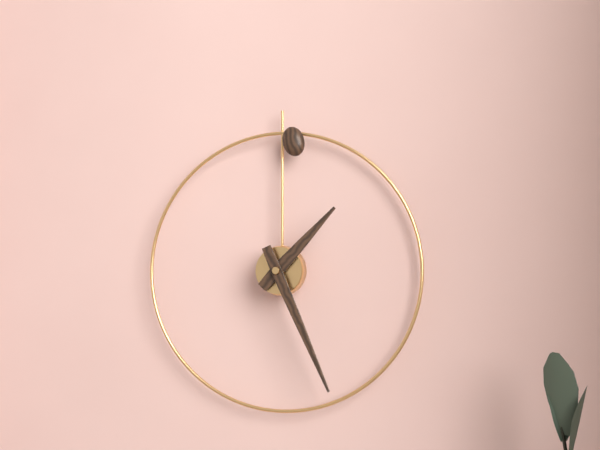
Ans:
1h26
